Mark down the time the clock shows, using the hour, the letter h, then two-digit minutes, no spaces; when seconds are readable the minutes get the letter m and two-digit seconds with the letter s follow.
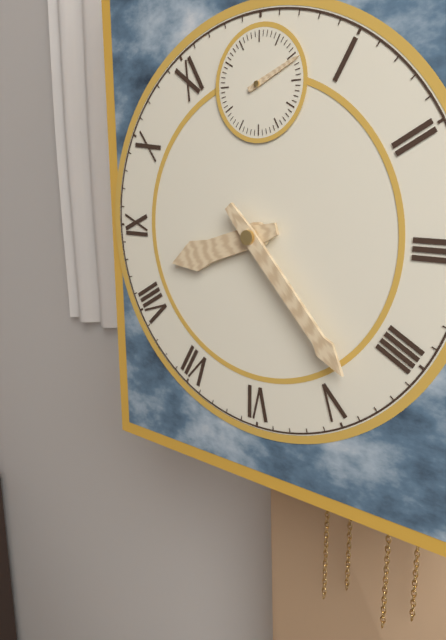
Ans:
8h23m11s
